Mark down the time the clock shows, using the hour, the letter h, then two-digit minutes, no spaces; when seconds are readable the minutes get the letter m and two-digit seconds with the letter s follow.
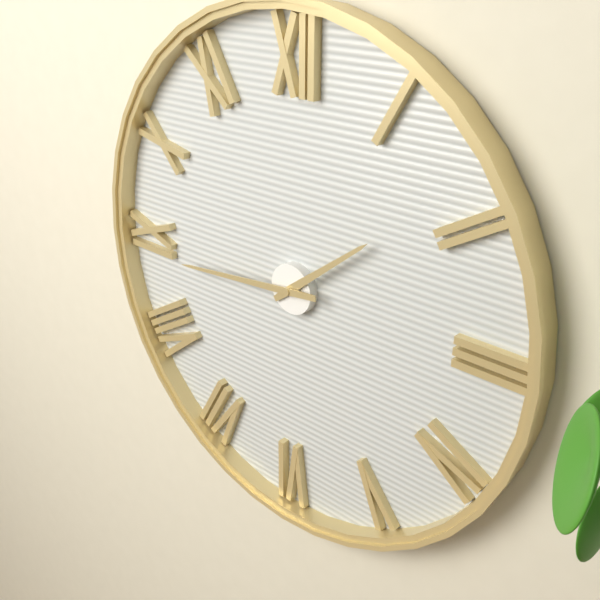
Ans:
1h44
